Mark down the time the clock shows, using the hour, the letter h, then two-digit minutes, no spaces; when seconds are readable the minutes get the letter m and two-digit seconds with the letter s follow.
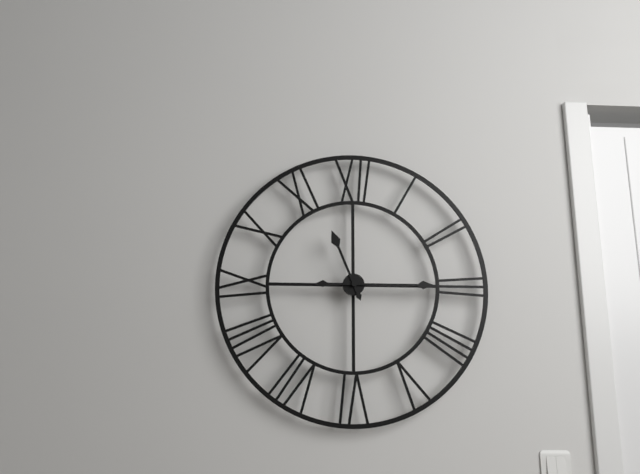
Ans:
11h15
